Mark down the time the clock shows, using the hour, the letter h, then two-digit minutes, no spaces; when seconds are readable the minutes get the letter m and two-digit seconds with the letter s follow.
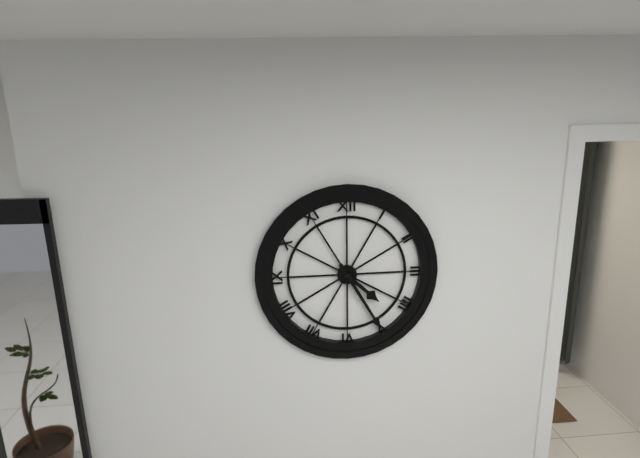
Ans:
4h25
